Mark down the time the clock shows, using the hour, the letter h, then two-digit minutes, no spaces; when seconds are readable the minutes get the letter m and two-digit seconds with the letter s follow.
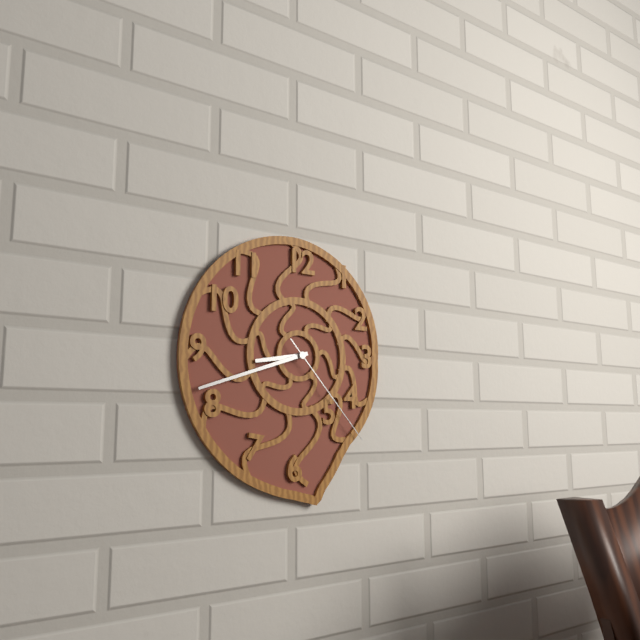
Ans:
8h42m23s
